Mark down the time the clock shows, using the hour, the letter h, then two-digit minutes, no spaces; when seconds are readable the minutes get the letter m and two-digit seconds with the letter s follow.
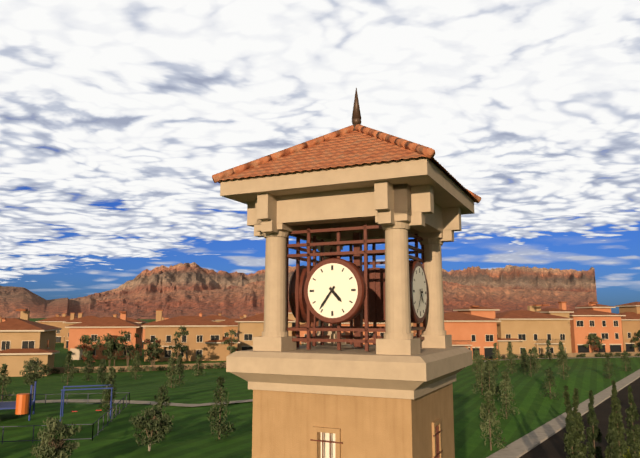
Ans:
4h36
